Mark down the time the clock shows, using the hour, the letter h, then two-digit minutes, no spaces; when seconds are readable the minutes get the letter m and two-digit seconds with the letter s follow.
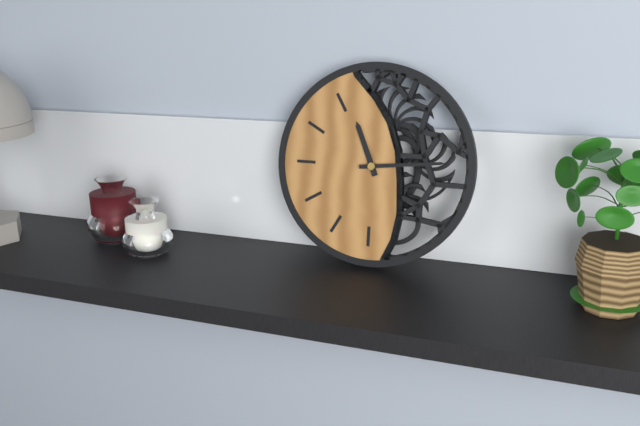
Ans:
11h14
